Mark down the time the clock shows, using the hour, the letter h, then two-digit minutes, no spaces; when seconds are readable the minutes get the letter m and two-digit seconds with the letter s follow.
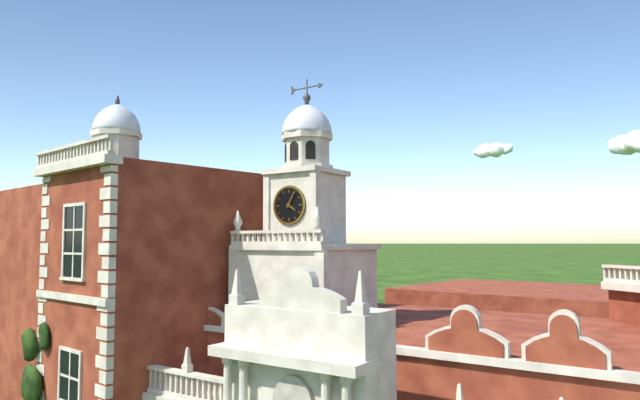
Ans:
4h05
